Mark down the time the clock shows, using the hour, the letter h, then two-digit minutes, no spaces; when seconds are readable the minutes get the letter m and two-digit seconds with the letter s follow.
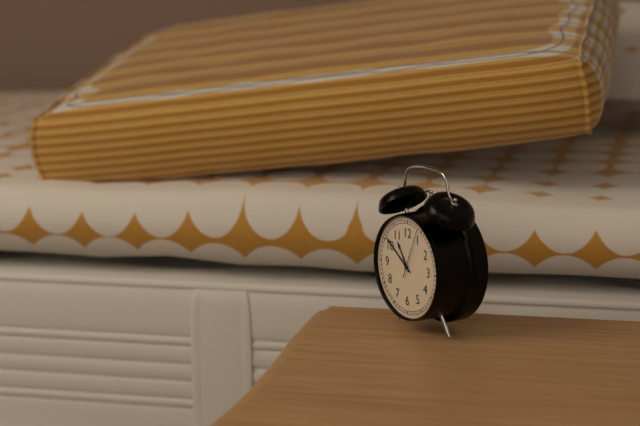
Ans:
10h51
